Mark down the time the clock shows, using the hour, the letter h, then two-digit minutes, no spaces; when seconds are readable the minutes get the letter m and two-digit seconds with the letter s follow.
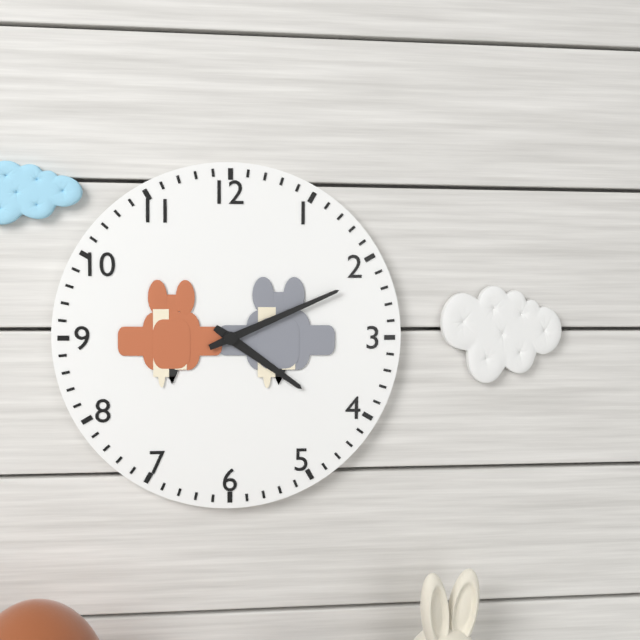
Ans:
4h11
